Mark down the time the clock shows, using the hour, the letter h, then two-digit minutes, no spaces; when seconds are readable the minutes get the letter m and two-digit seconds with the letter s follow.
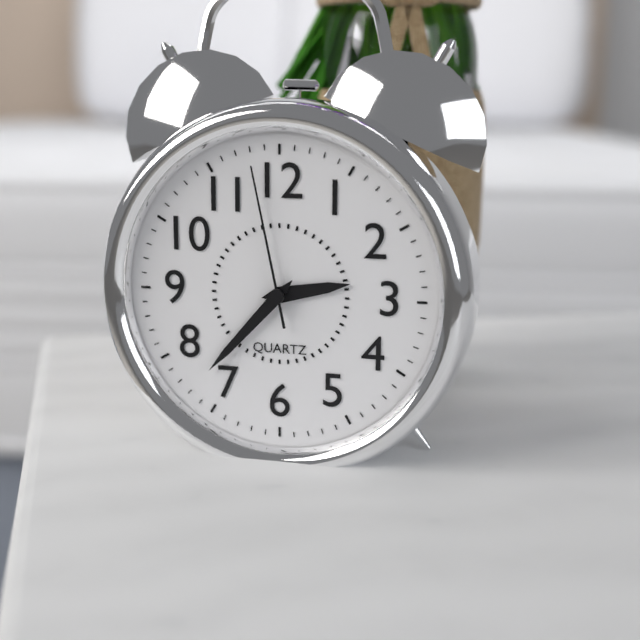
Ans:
2h37m58s
